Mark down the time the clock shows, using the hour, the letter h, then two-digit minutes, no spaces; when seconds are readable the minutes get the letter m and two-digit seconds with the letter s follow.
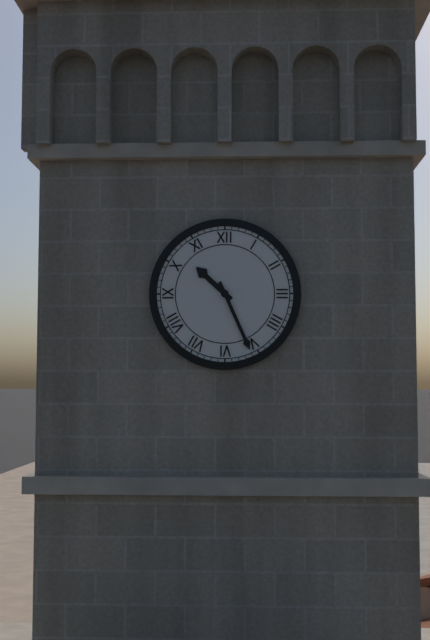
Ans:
10h26
